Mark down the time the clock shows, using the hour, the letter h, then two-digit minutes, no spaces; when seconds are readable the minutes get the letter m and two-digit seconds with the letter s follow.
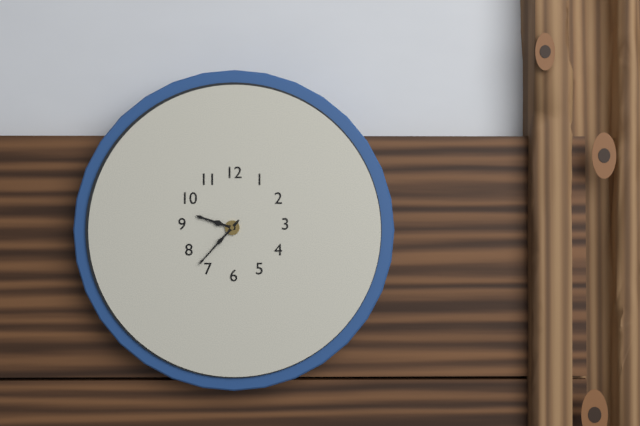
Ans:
9h37
